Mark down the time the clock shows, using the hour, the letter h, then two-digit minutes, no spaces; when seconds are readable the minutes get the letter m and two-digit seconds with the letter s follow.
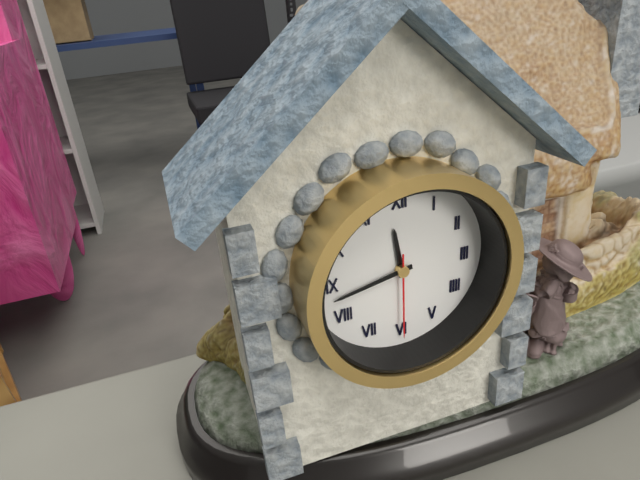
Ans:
11h43m30s
